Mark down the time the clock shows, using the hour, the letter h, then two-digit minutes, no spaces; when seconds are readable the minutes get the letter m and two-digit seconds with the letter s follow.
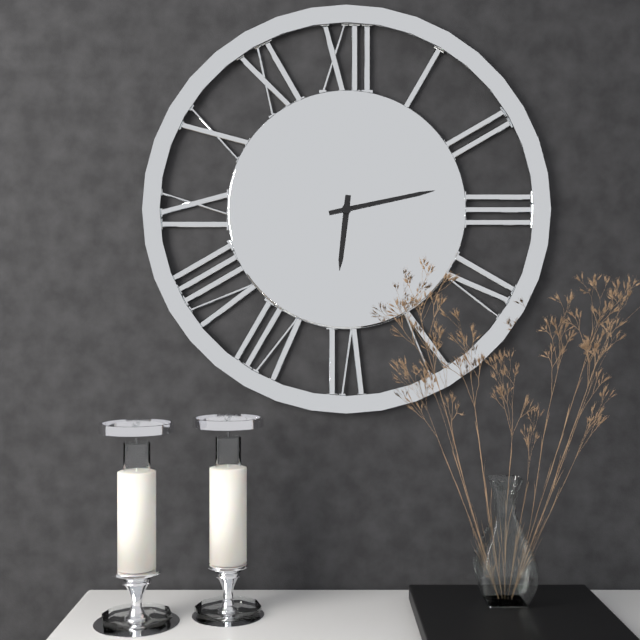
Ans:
6h13
